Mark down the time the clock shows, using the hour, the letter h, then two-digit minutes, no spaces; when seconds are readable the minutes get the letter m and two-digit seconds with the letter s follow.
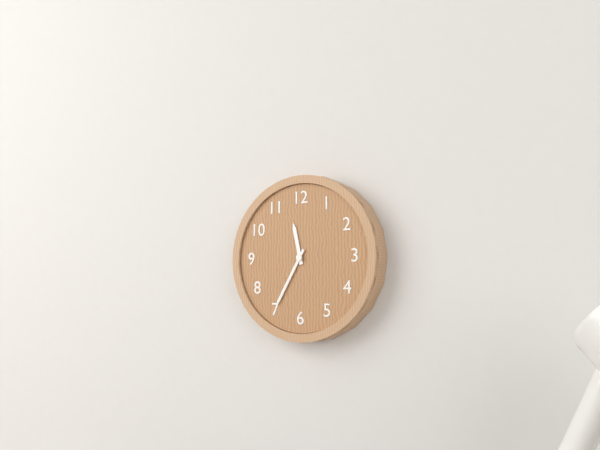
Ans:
11h35
